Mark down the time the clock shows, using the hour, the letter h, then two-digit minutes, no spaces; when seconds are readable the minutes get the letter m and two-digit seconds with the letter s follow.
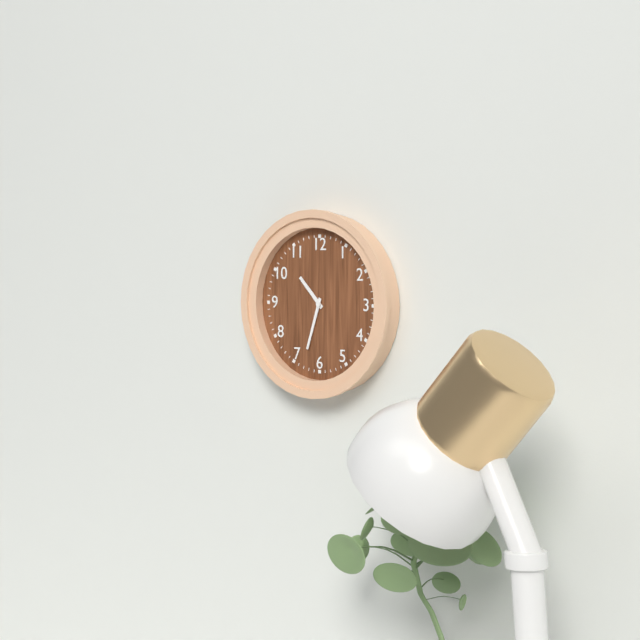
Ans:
10h33
